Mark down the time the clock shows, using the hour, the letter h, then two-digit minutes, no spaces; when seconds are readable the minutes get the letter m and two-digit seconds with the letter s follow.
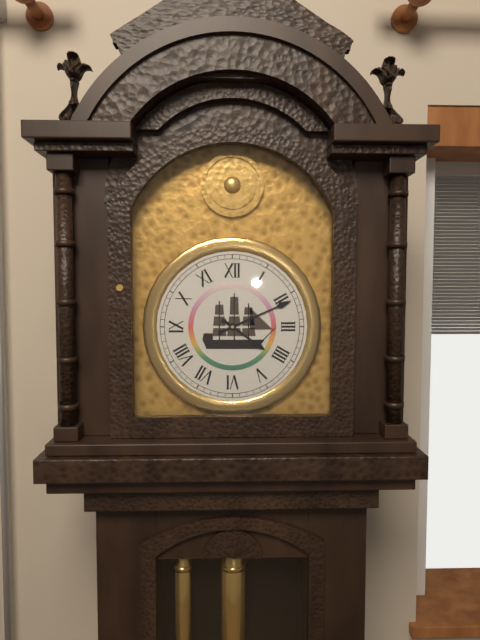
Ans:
4h11
